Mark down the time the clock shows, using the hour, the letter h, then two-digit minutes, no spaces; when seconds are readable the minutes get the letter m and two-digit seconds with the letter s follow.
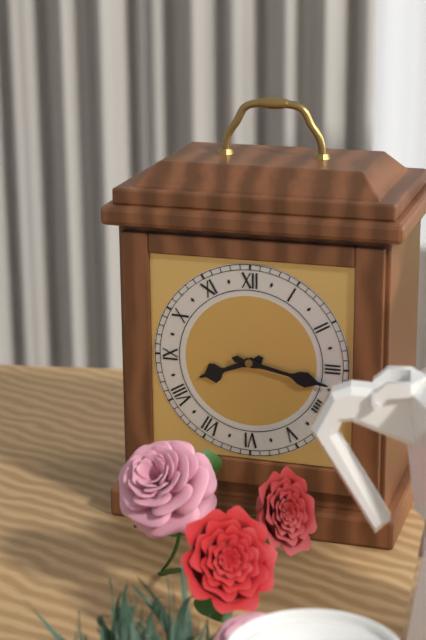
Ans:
8h17
